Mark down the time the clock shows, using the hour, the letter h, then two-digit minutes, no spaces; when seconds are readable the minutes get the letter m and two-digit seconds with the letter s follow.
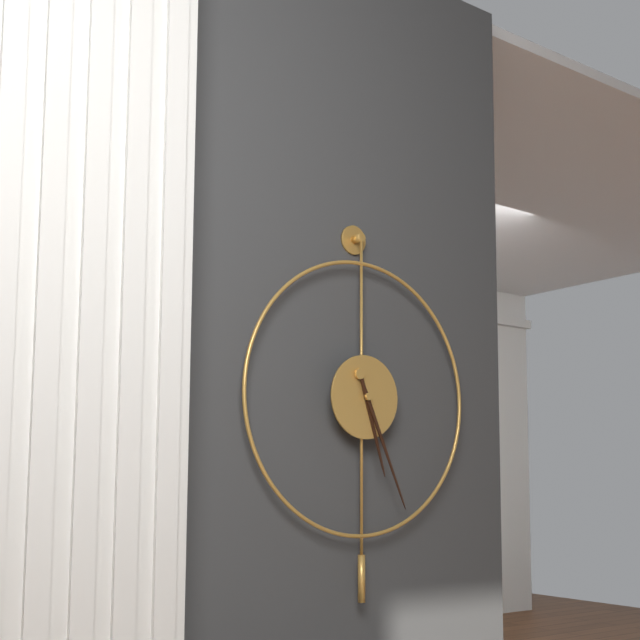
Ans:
5h26
